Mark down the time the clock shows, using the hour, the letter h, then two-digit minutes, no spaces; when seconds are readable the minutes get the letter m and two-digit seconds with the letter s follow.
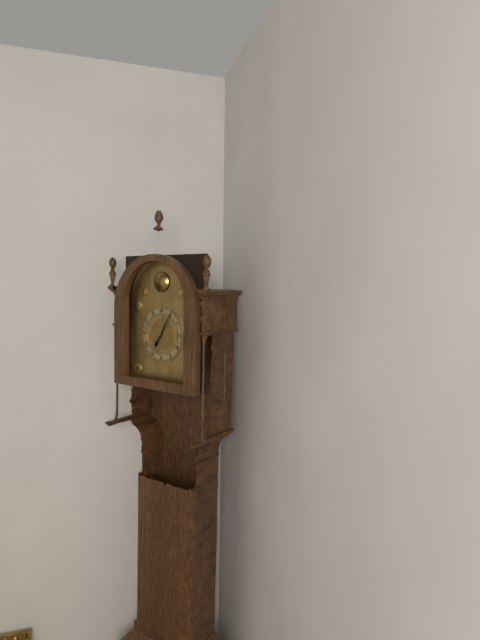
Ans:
7h05
